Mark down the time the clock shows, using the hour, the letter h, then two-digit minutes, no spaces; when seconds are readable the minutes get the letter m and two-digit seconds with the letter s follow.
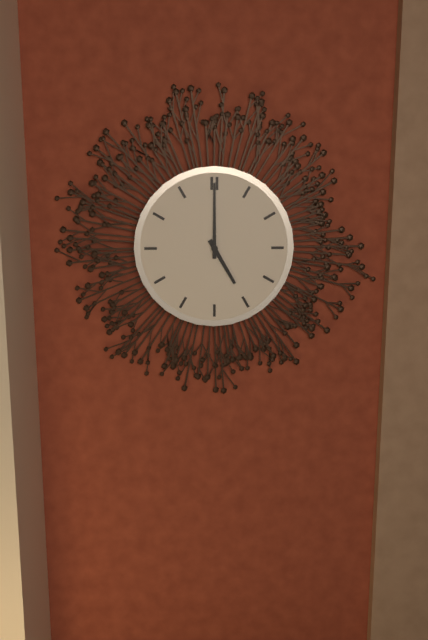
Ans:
5h00
